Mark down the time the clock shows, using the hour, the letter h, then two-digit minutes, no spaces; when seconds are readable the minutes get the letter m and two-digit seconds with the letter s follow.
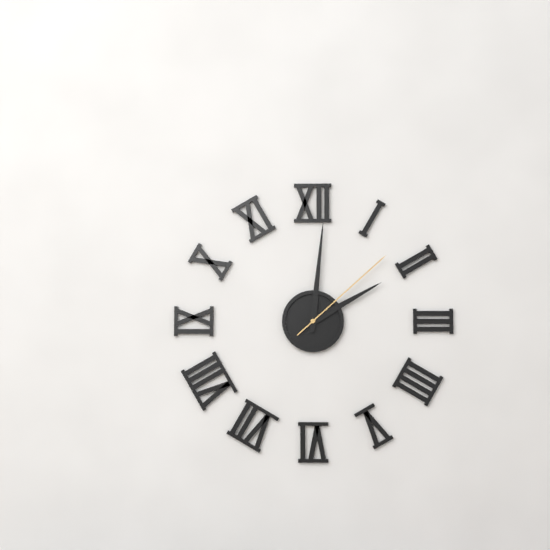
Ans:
2h01m08s
